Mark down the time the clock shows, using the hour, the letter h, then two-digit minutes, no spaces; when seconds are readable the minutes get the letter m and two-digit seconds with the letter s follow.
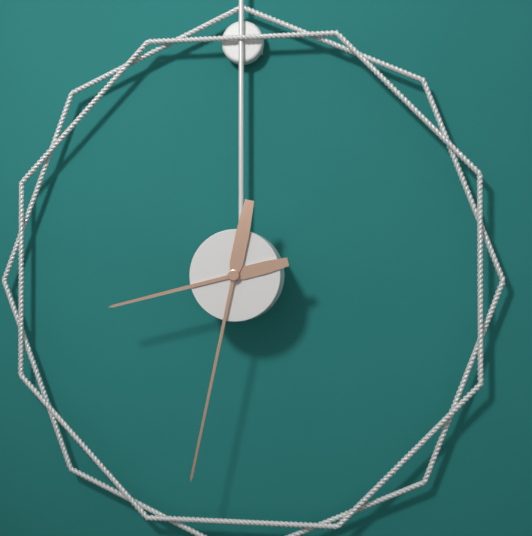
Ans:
8h32
